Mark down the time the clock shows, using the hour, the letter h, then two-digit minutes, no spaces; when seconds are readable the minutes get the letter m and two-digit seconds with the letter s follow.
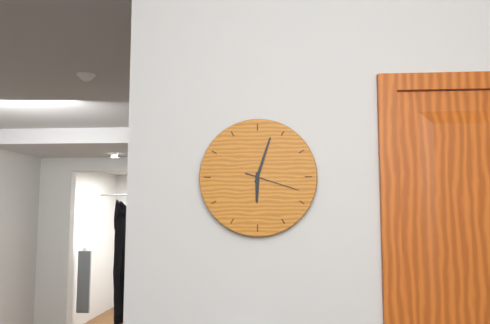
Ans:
6h03m18s
